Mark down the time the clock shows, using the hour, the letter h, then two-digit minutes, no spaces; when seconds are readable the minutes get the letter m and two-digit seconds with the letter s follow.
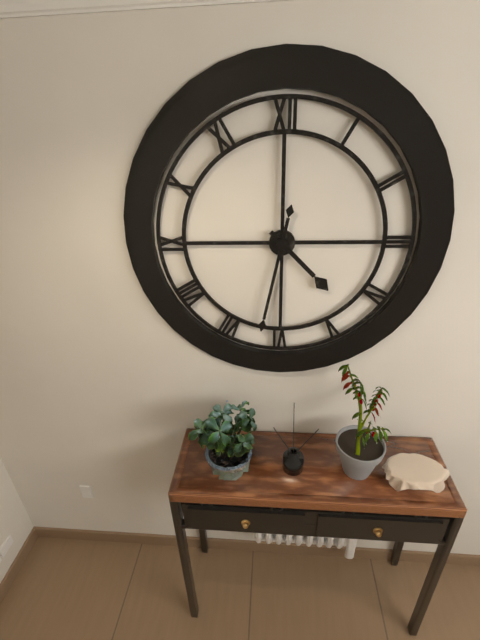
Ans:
4h32
